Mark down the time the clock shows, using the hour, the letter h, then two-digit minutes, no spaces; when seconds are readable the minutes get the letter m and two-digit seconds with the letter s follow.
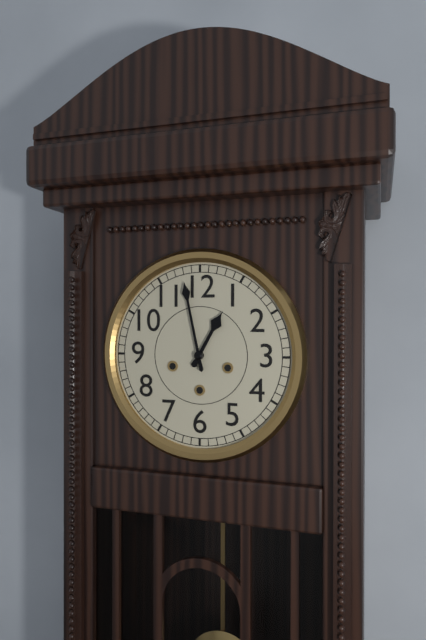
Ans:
12h58
